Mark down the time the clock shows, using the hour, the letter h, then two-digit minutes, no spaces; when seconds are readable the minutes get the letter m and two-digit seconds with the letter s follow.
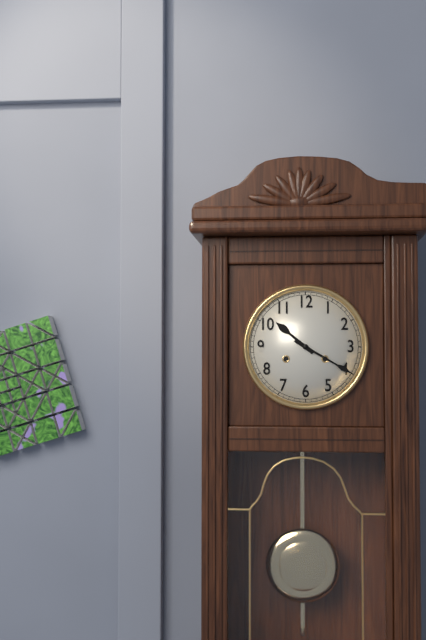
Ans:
10h20
